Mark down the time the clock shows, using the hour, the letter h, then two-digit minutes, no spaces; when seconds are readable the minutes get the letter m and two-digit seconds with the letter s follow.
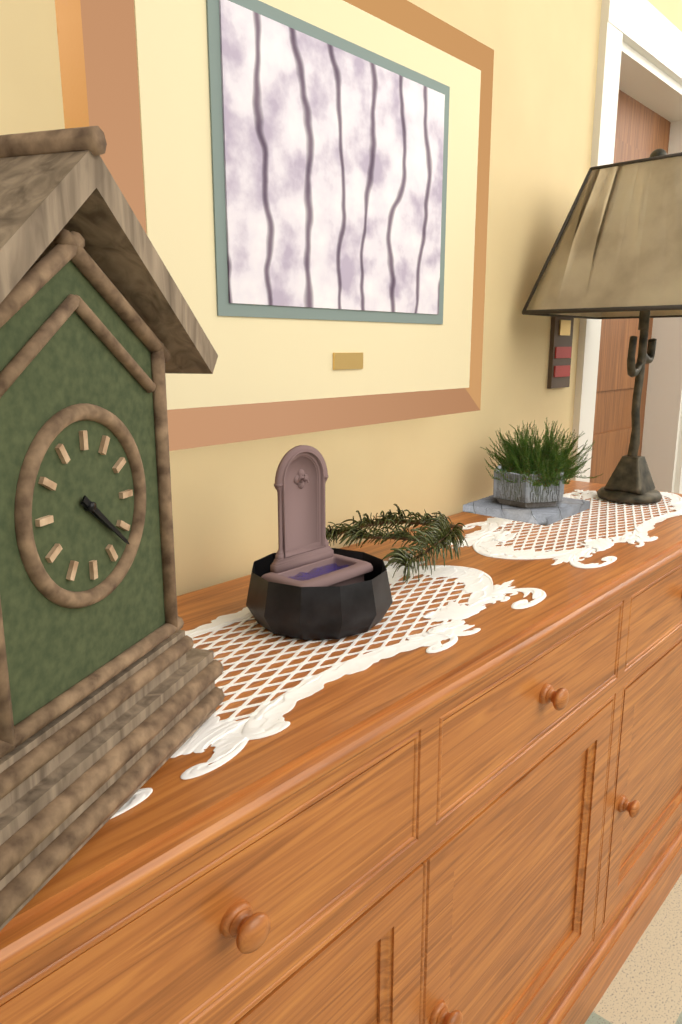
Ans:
4h22
